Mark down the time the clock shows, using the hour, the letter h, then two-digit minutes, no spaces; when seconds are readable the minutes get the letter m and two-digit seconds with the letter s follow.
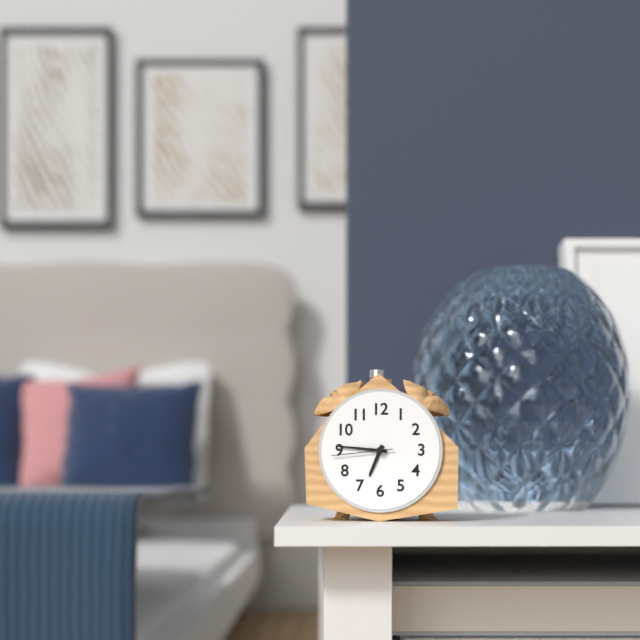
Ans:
6h46m44s
